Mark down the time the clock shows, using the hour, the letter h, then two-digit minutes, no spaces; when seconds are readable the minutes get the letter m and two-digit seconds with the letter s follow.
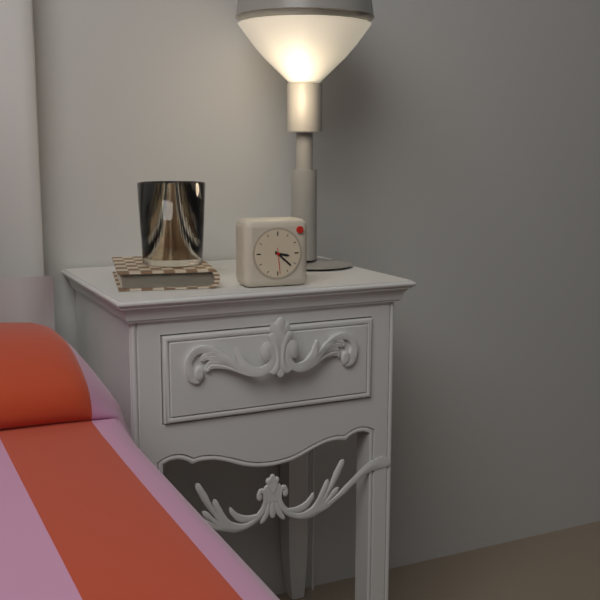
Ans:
3h22
